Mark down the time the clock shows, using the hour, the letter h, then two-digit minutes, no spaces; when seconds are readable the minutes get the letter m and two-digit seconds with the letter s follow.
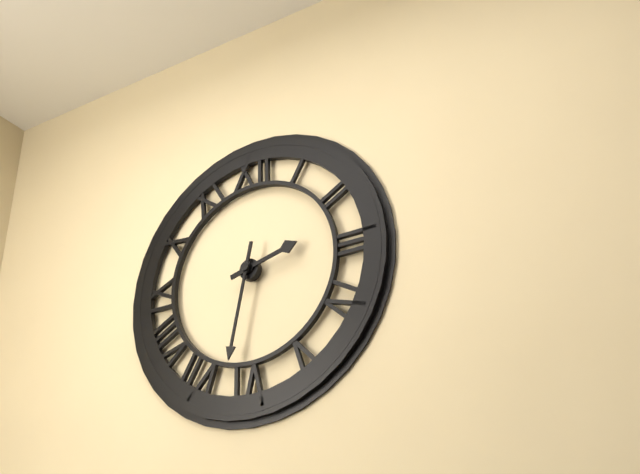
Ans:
2h32
